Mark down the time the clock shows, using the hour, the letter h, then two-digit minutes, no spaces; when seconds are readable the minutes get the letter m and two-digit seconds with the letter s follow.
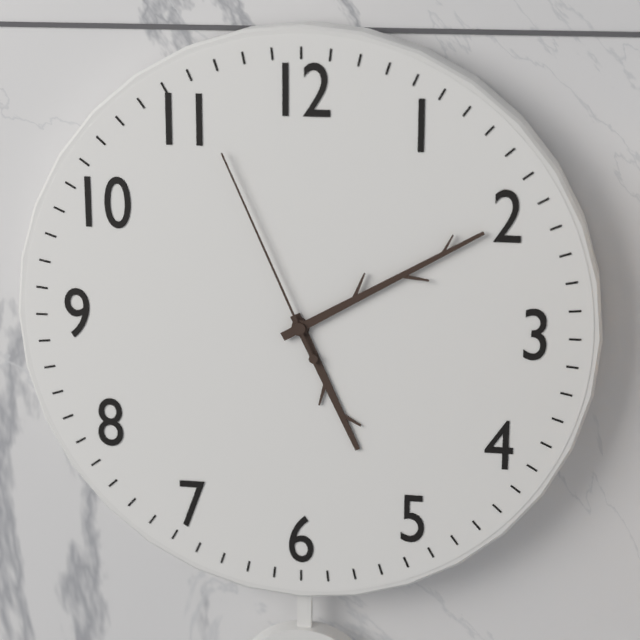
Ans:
5h10m56s
